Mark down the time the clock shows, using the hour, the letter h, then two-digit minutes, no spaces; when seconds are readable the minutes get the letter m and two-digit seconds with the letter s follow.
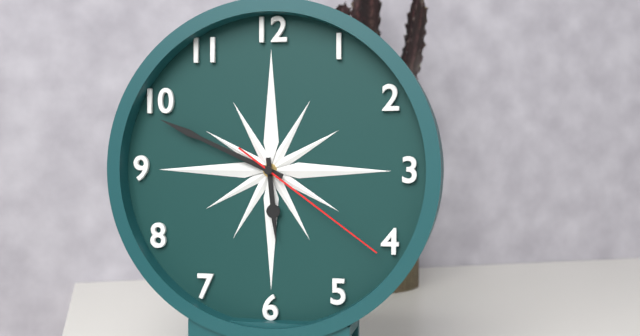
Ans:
5h49m21s
